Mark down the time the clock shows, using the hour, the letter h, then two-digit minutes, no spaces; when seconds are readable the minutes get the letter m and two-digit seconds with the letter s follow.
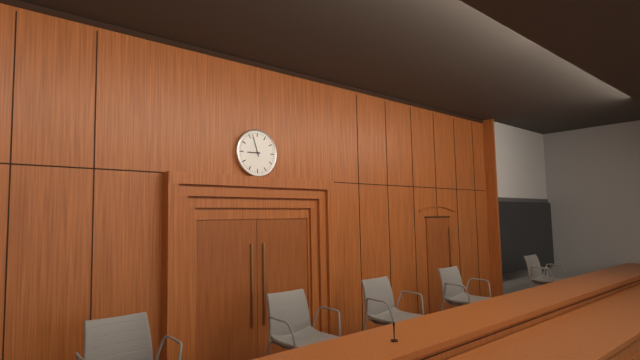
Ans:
8h57
